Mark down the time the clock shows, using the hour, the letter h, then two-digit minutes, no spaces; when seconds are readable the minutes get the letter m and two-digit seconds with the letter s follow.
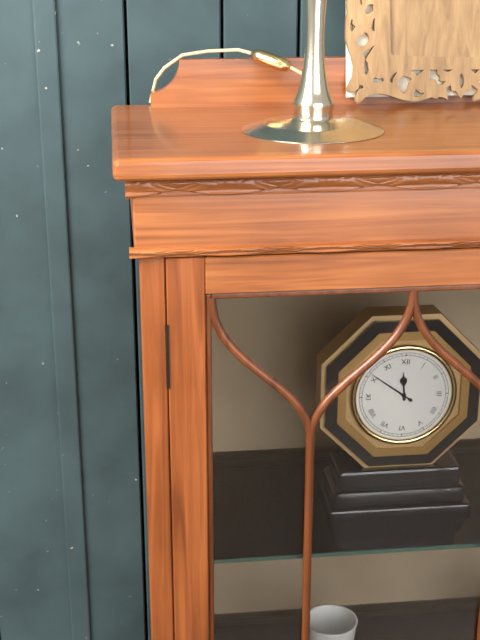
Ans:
11h51
